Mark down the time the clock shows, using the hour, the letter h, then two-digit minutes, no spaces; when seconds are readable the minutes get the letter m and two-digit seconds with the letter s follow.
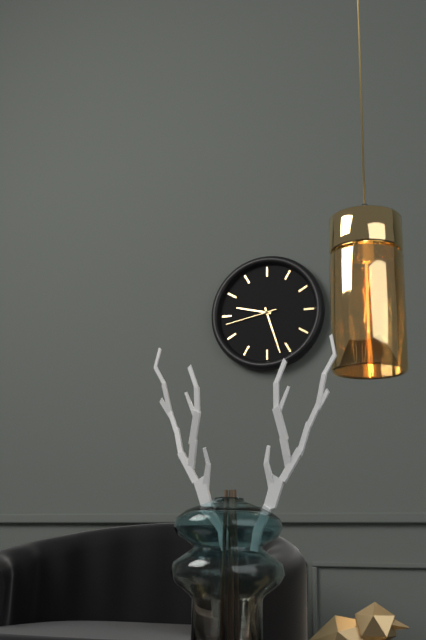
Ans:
9h27m43s
